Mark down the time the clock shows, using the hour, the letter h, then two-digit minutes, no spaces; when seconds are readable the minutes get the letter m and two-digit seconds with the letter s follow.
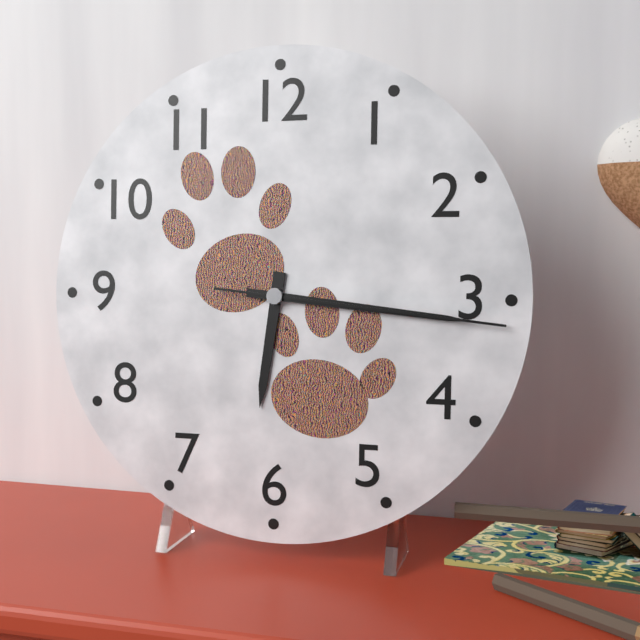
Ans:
6h16m16s
